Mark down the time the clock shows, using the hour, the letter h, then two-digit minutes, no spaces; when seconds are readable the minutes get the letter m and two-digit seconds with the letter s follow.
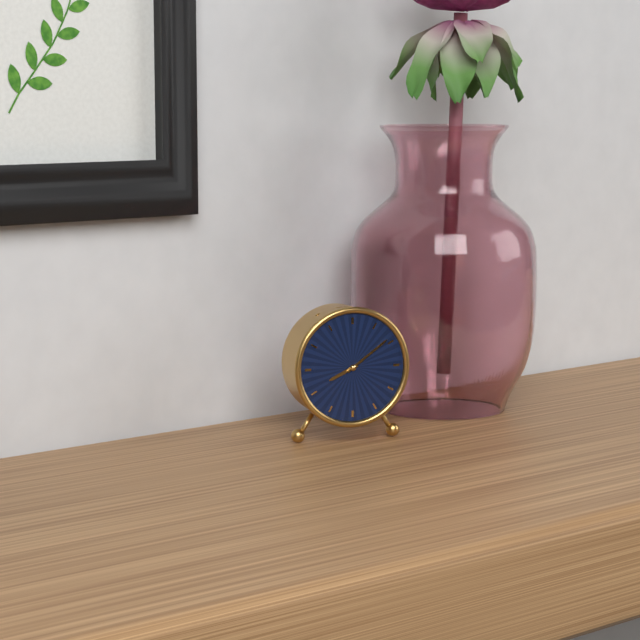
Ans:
8h09
